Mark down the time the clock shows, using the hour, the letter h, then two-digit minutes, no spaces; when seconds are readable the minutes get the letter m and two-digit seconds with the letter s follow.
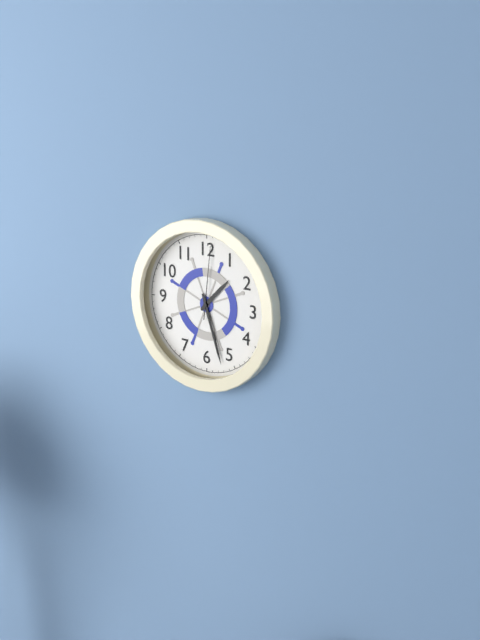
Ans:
1h27m01s
